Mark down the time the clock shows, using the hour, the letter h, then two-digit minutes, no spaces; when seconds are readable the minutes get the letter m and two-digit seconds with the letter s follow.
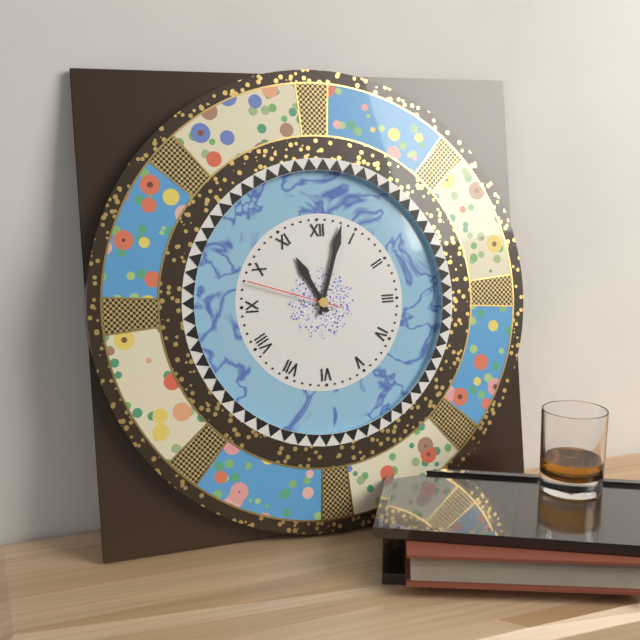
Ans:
11h03m48s
